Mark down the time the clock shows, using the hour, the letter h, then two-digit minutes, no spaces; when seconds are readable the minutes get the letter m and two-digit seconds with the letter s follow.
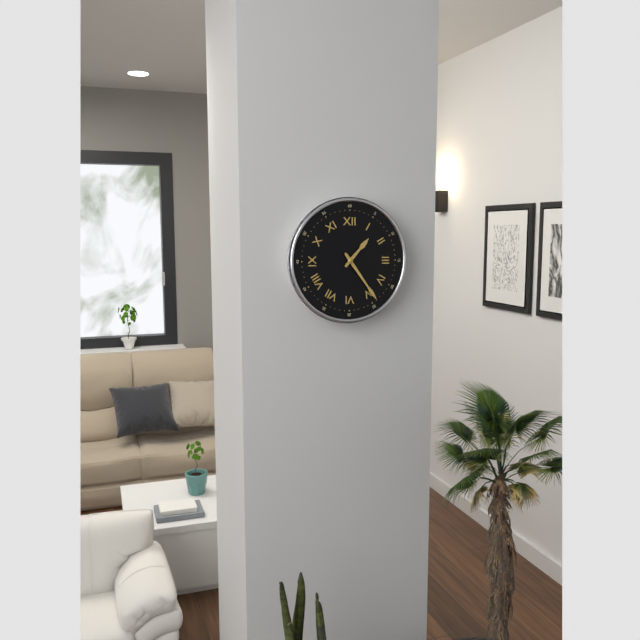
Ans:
1h24
